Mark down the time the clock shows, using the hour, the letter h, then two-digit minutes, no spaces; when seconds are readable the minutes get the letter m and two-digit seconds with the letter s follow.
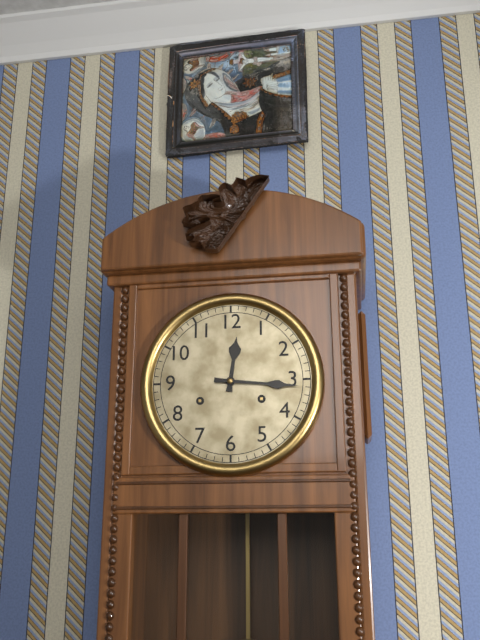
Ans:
12h16
